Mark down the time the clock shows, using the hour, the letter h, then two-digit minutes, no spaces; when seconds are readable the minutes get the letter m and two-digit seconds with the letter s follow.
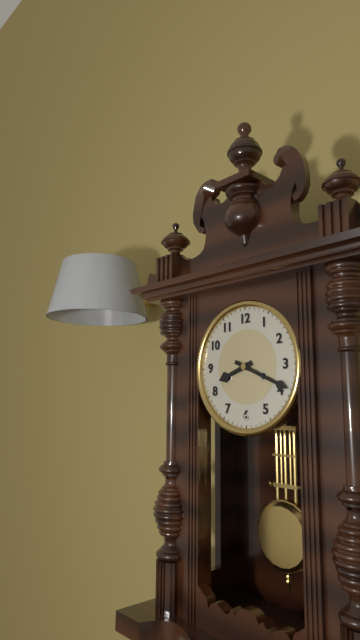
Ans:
8h19
